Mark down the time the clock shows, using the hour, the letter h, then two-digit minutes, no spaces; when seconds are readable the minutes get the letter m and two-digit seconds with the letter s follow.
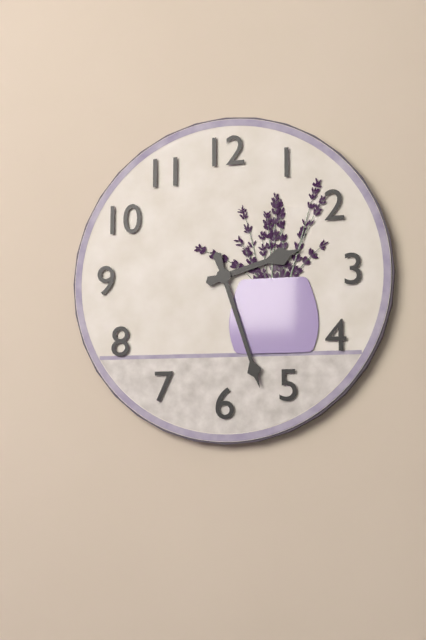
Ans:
2h27
